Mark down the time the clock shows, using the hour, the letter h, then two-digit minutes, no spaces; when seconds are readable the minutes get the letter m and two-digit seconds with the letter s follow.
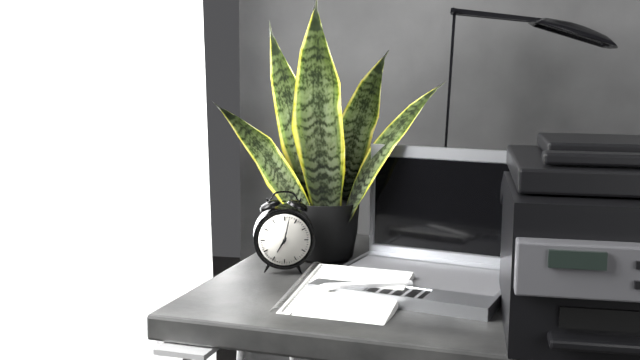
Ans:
7h02
